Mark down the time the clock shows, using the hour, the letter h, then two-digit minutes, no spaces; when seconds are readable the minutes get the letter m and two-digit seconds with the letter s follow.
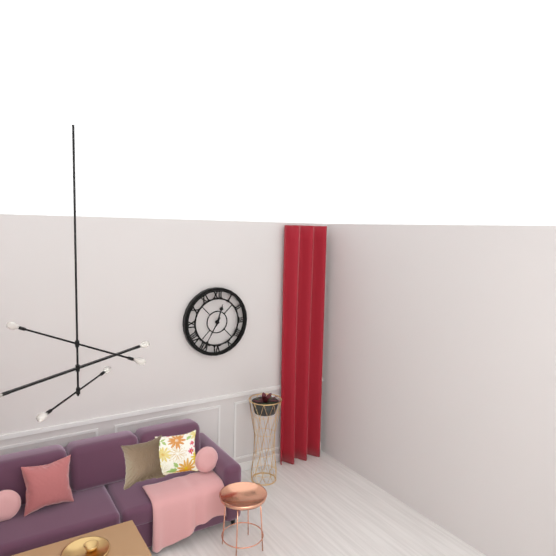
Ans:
12h35
